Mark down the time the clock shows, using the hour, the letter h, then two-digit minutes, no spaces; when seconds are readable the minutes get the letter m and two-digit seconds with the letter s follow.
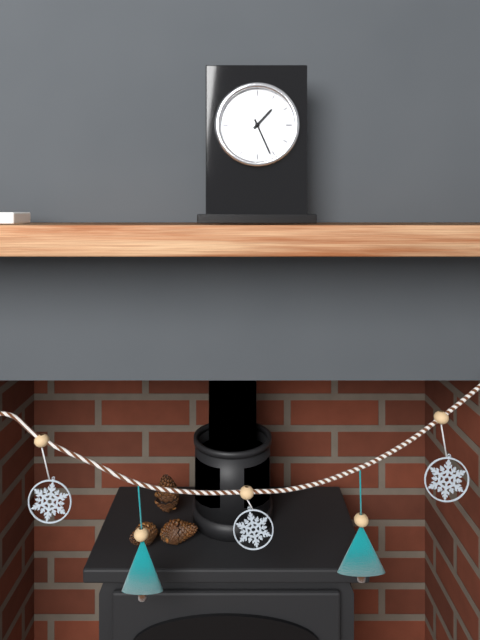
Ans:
1h26
